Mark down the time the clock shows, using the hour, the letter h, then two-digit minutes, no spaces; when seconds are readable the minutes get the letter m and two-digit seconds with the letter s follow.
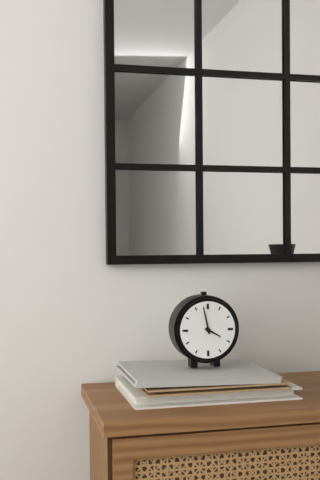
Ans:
3h58
